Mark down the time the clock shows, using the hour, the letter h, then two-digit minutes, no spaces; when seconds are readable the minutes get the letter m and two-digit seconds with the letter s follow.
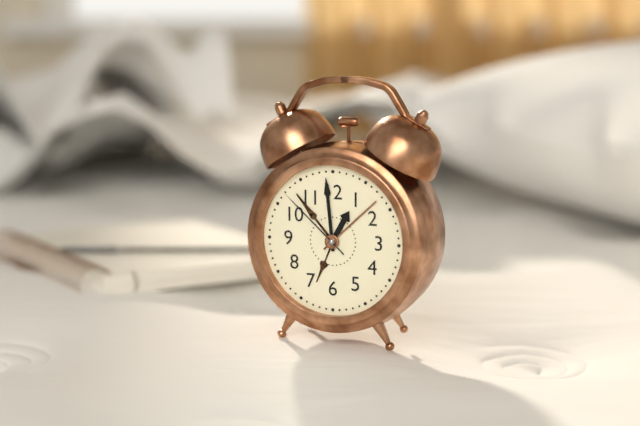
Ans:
12h59m52s
